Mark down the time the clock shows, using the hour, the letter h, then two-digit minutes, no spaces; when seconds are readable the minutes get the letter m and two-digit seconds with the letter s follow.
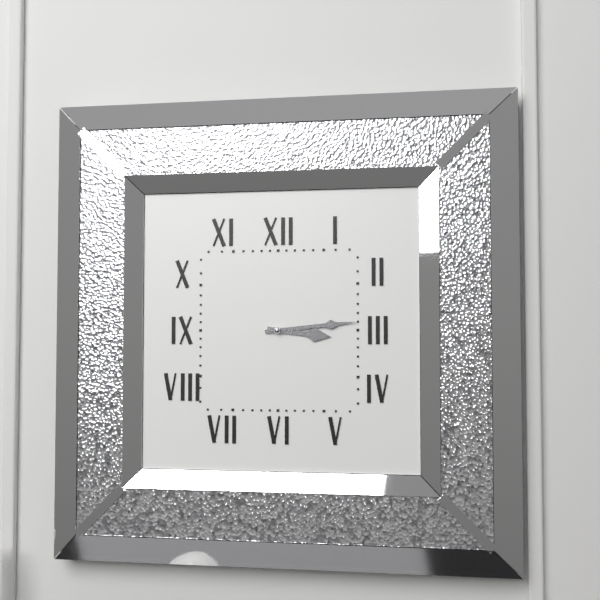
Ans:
3h14
